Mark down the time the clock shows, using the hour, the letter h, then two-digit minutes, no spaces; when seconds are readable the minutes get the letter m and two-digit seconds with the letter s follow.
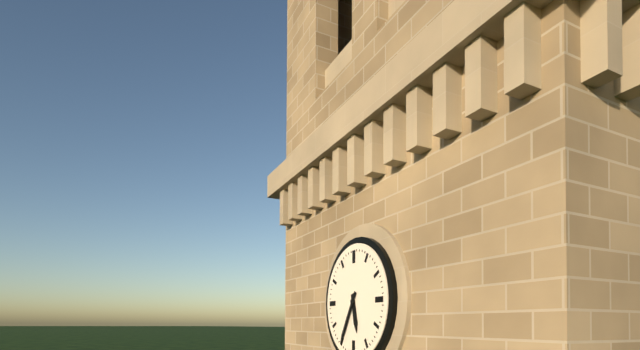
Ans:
5h35
